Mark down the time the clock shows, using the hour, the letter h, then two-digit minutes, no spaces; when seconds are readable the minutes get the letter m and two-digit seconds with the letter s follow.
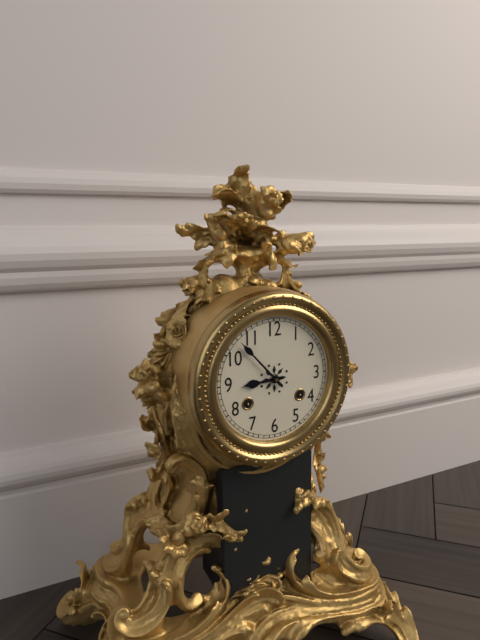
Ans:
8h53
